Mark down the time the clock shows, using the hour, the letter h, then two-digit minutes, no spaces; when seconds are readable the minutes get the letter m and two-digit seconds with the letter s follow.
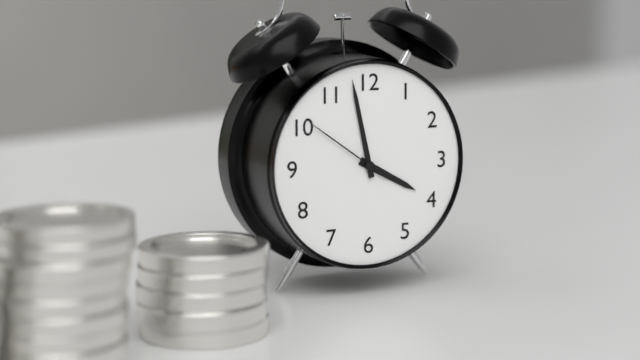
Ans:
3h58m51s
